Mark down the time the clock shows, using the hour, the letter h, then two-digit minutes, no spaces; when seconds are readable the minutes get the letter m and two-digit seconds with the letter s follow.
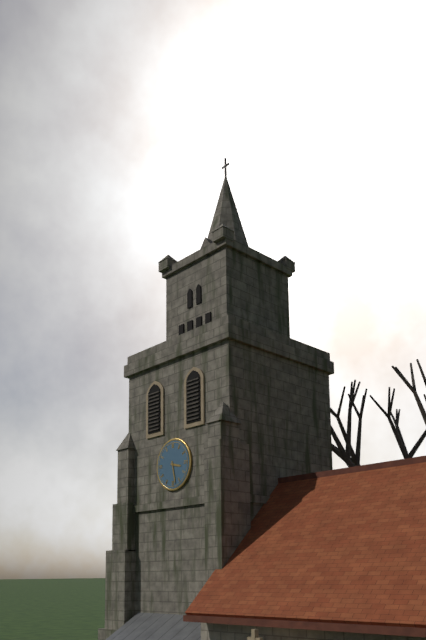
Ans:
3h28
